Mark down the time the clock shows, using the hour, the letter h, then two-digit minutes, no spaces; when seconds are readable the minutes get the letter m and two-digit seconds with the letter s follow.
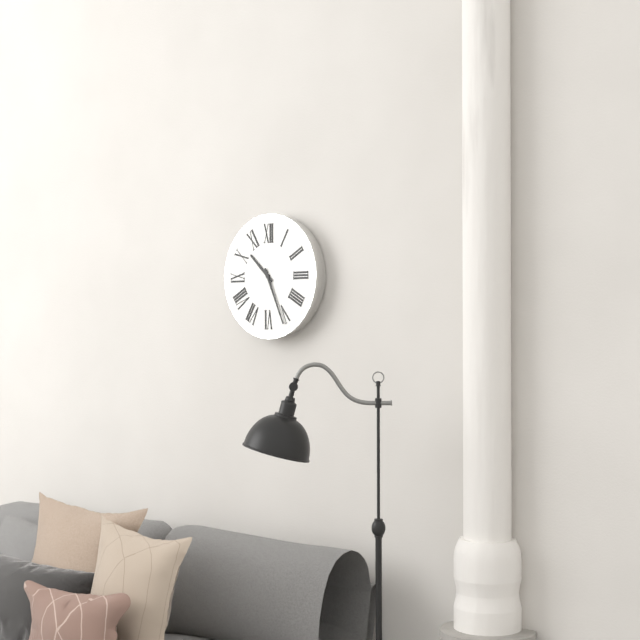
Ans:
10h26
